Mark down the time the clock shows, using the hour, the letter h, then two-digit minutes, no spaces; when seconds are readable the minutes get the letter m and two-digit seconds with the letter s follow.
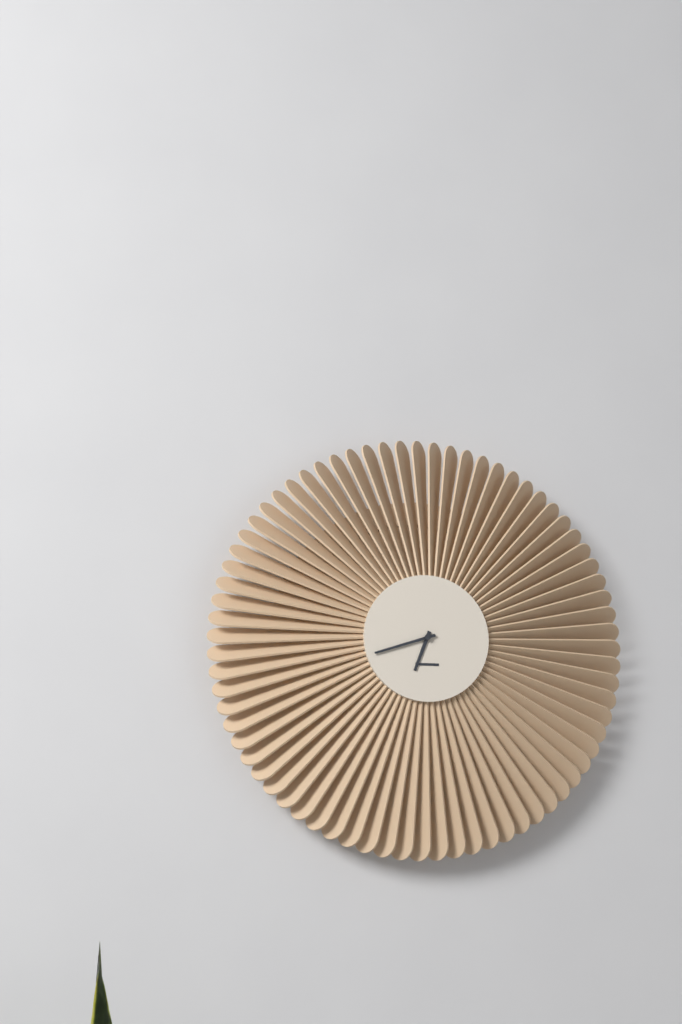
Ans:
6h42
